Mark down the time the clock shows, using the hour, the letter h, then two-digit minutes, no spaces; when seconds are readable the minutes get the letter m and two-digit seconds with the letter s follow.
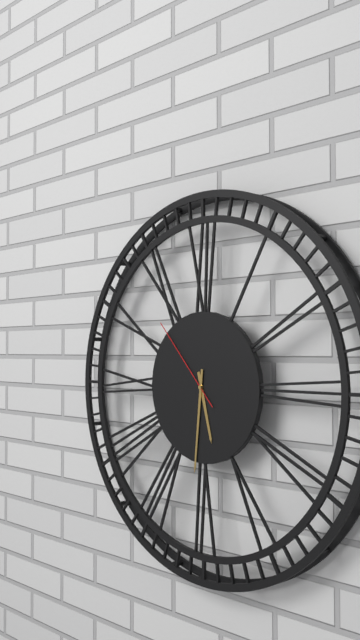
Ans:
5h31m53s
